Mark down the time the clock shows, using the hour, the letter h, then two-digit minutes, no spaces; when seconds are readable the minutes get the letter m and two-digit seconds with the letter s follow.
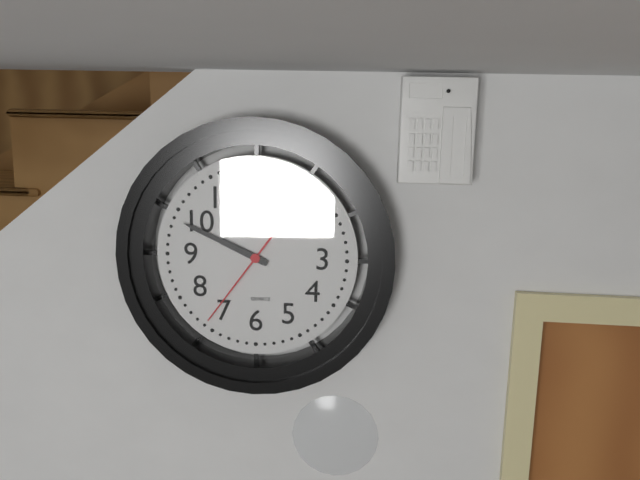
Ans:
9h49m36s
